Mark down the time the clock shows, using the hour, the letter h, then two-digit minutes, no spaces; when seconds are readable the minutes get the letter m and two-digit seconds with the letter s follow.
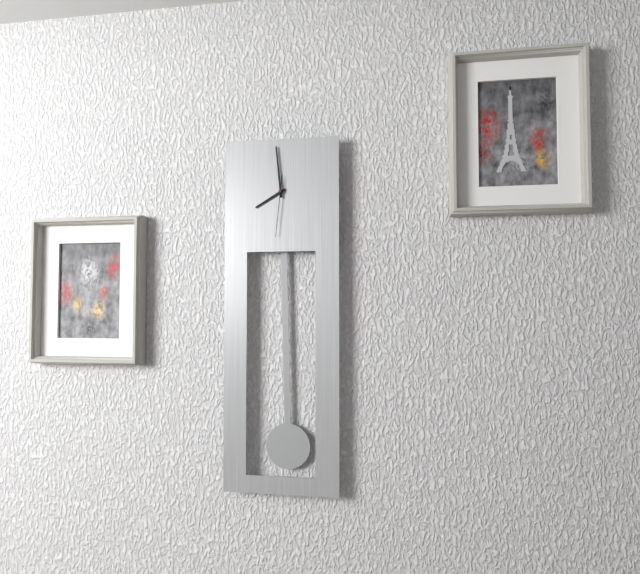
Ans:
7h59m31s
